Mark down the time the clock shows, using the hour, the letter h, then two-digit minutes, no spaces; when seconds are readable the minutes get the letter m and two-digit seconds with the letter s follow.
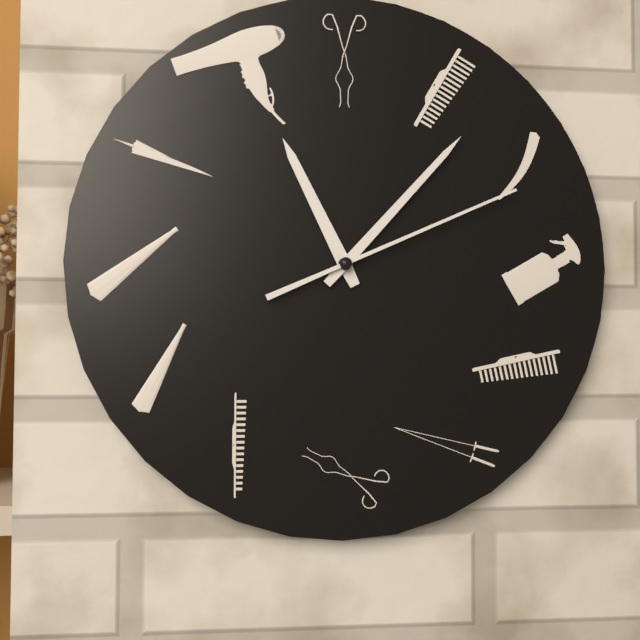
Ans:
11h07m11s
